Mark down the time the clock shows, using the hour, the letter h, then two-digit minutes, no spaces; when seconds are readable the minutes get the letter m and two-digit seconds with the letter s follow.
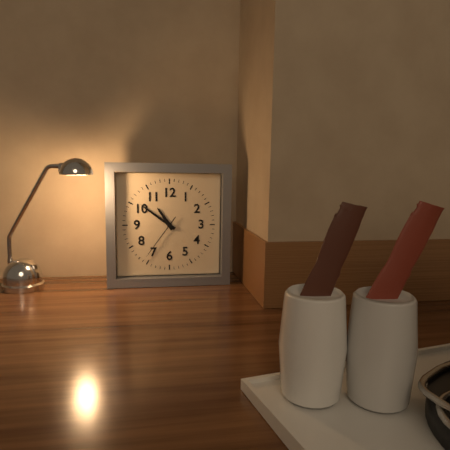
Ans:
10h51
